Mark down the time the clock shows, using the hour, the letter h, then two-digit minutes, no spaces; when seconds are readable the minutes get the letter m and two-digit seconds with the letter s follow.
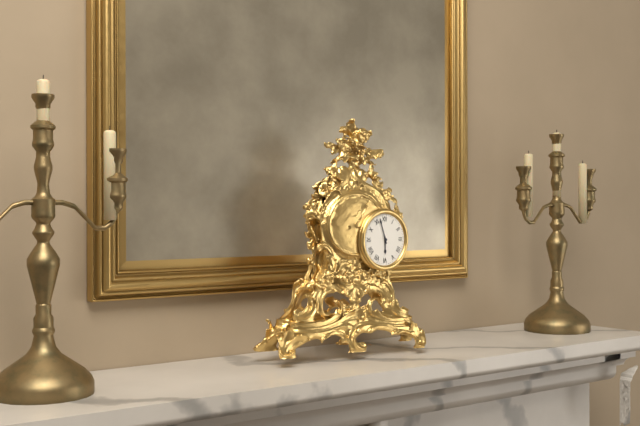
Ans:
5h57
